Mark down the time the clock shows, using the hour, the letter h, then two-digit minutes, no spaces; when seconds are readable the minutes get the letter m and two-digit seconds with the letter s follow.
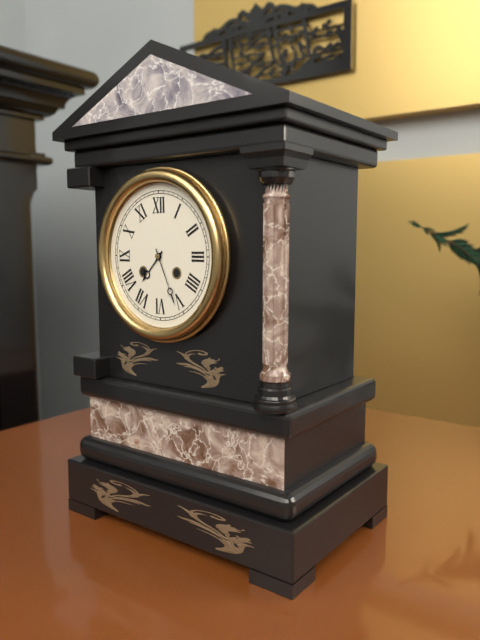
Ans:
7h26
